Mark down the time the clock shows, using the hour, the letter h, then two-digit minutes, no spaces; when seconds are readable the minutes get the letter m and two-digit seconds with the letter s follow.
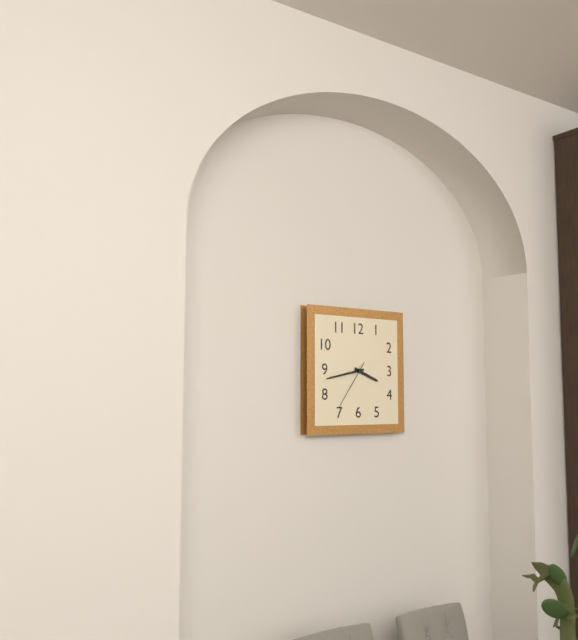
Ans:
3h43m36s
